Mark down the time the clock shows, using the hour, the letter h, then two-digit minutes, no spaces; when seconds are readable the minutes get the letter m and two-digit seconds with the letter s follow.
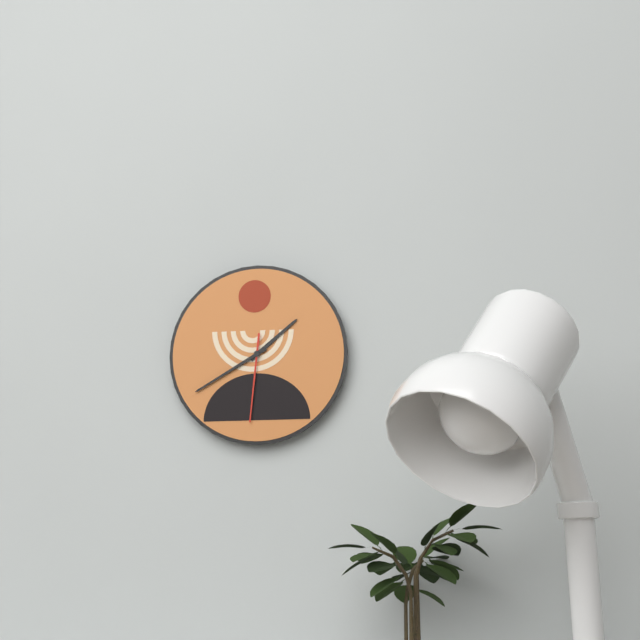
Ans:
1h40m31s
